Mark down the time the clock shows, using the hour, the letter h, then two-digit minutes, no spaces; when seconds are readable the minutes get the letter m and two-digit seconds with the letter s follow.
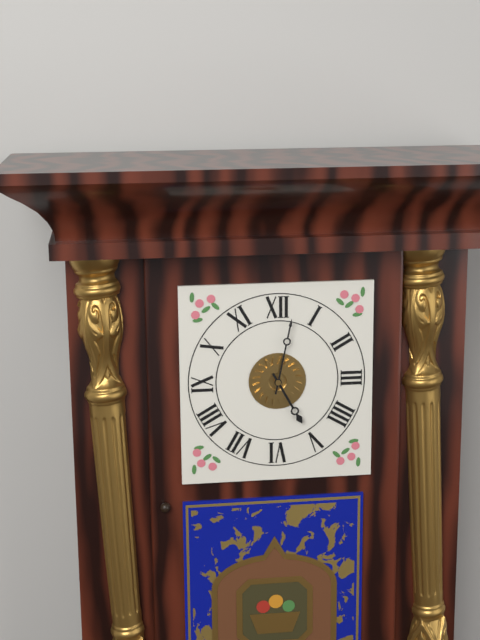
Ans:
5h02
